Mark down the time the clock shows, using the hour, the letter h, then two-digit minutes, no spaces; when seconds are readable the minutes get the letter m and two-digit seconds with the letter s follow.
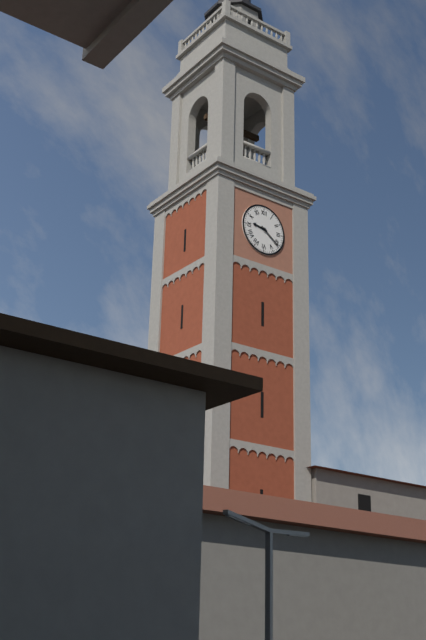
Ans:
9h21
